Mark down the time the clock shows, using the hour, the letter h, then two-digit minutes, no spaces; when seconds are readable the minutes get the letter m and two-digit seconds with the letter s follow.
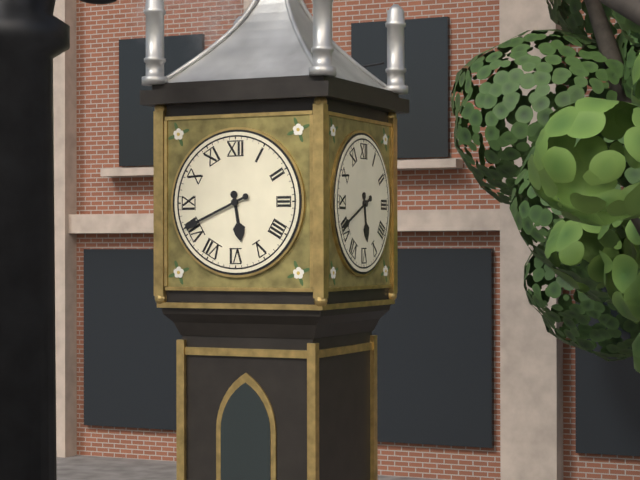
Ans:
5h41
